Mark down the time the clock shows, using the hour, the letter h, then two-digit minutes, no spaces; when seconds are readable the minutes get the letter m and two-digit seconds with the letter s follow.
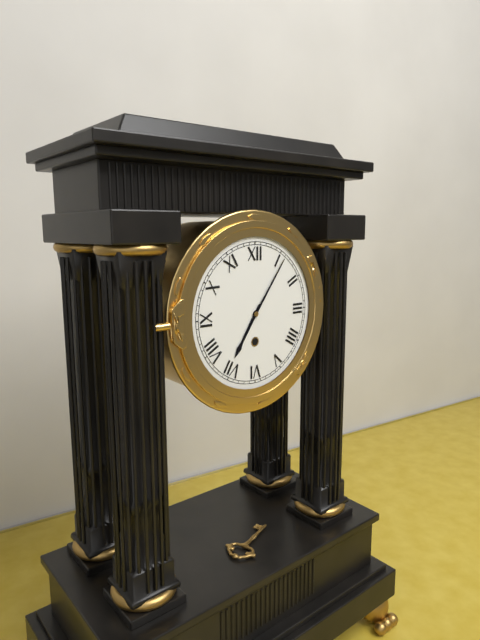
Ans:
7h06
